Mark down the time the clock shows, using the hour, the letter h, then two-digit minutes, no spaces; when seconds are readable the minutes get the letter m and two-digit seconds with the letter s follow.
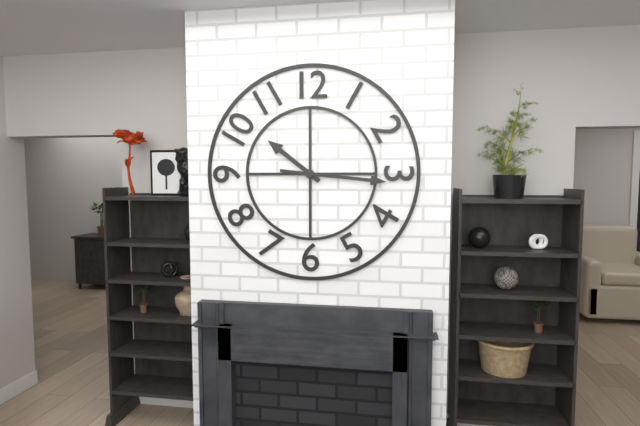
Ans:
10h16
